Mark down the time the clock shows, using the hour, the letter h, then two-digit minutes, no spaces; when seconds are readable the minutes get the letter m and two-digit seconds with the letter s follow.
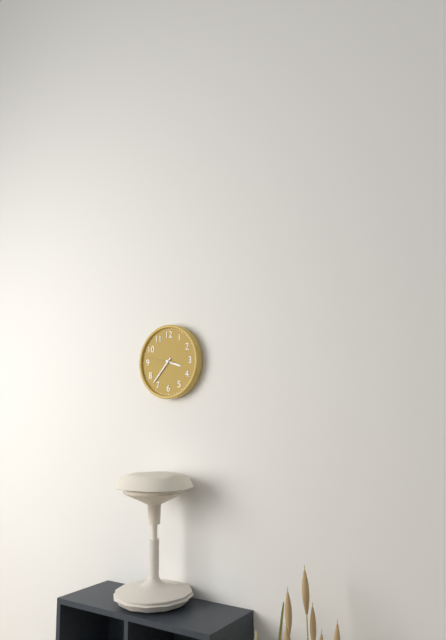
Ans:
3h37
